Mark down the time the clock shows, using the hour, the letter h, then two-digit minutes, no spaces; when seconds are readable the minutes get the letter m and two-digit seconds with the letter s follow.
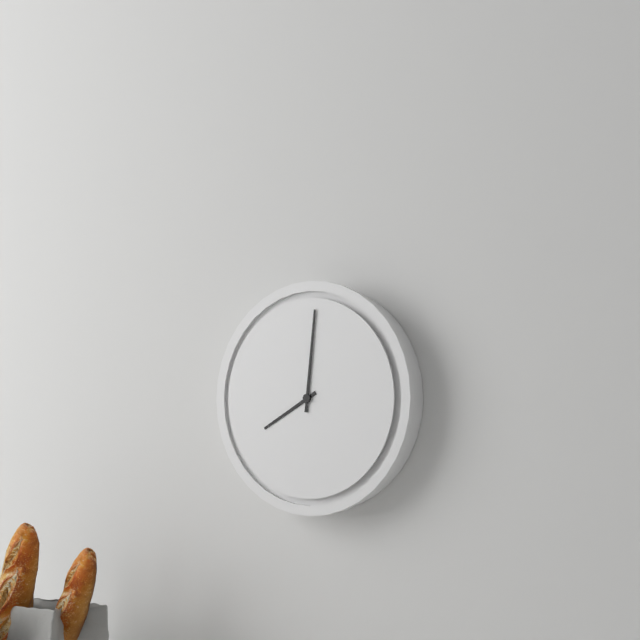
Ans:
8h01
